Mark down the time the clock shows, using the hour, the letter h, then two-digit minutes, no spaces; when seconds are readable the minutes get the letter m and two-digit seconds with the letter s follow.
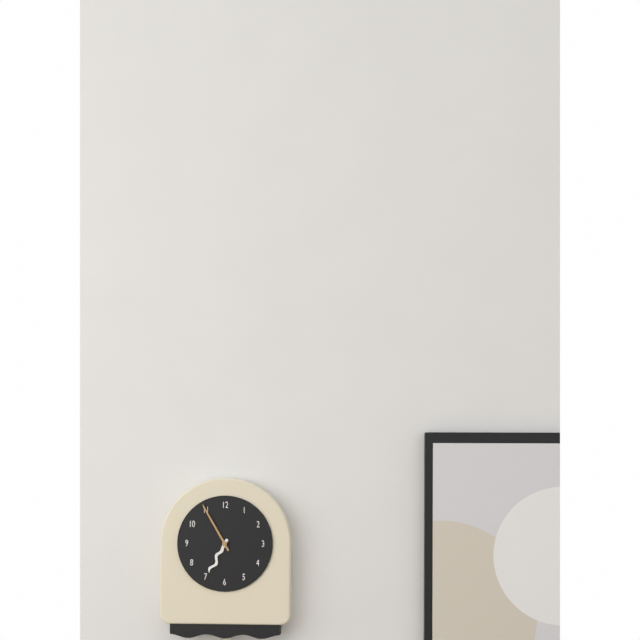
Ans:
6h55
